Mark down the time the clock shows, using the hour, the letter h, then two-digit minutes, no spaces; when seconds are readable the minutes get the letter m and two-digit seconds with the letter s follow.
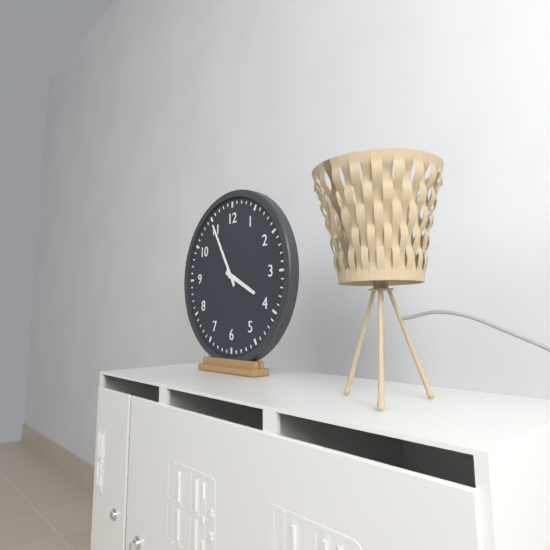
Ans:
3h55
